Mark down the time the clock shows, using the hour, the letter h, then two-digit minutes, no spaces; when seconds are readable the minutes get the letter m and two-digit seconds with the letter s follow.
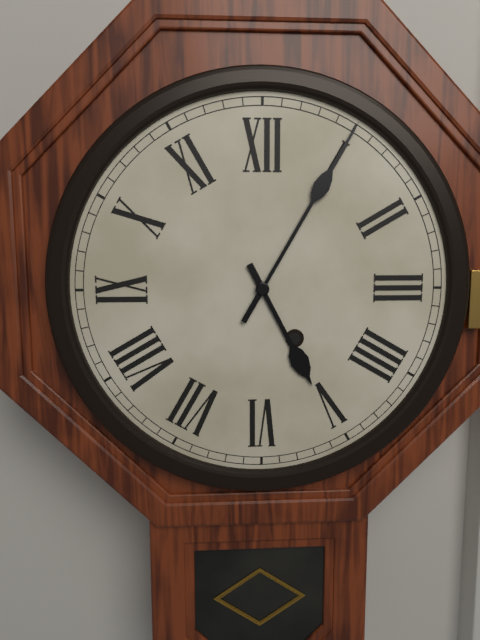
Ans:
5h05
